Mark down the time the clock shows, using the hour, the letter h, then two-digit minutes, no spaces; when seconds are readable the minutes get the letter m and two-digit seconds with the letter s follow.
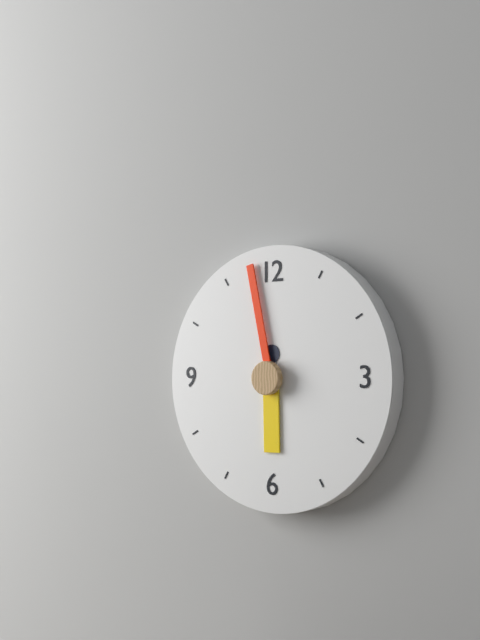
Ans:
5h58
